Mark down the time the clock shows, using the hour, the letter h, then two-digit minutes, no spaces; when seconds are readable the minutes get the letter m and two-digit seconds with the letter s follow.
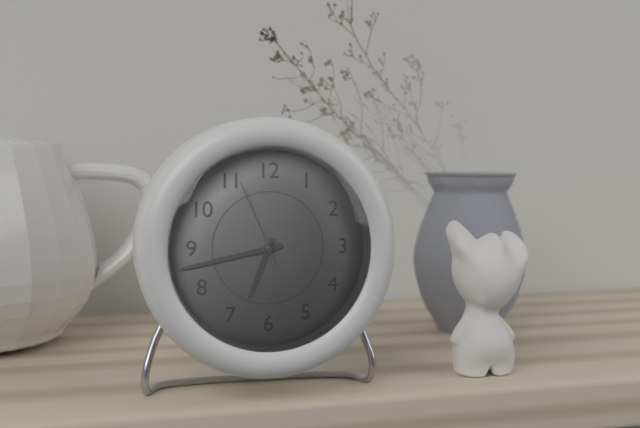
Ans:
6h43m56s
